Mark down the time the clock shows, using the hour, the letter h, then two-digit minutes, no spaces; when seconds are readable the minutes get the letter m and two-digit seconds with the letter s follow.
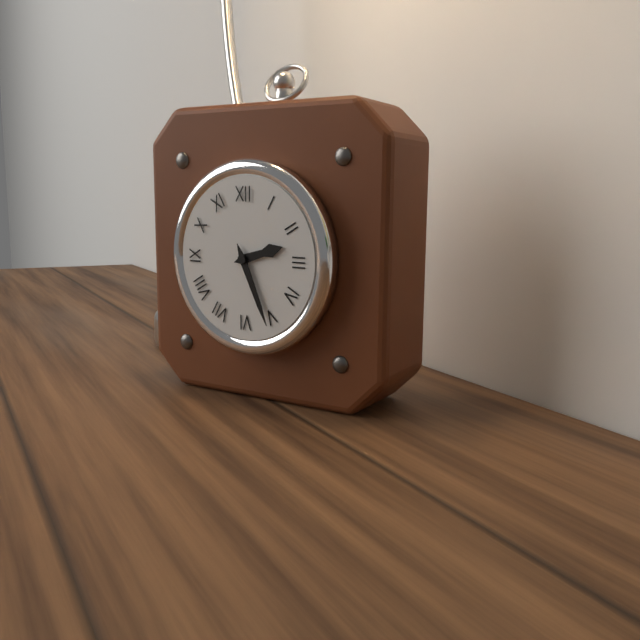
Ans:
2h26
